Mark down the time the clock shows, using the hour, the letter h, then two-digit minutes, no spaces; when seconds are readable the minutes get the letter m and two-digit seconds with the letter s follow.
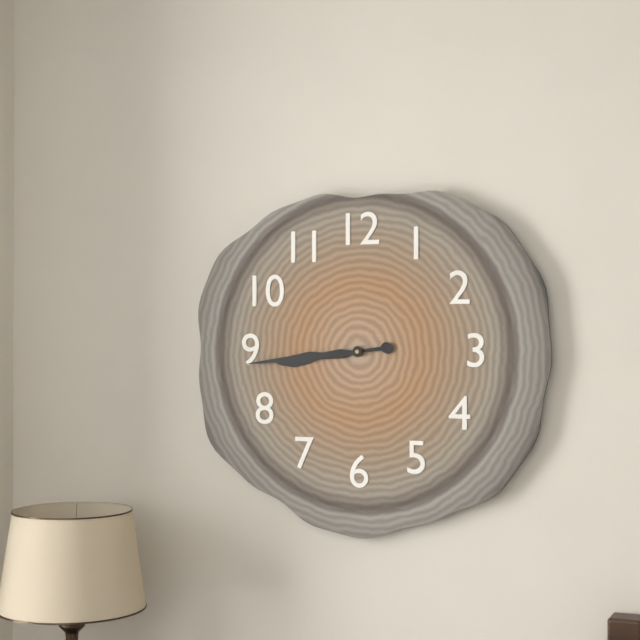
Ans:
8h44
